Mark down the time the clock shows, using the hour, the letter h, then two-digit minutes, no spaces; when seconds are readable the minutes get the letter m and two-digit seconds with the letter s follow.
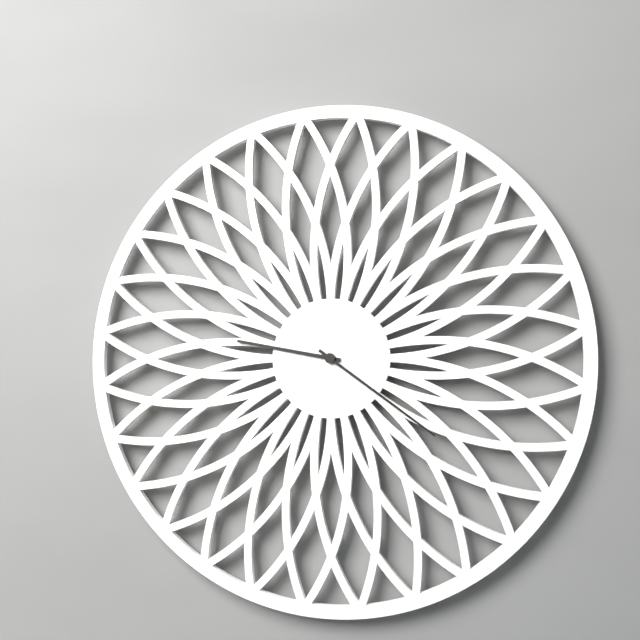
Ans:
9h21
